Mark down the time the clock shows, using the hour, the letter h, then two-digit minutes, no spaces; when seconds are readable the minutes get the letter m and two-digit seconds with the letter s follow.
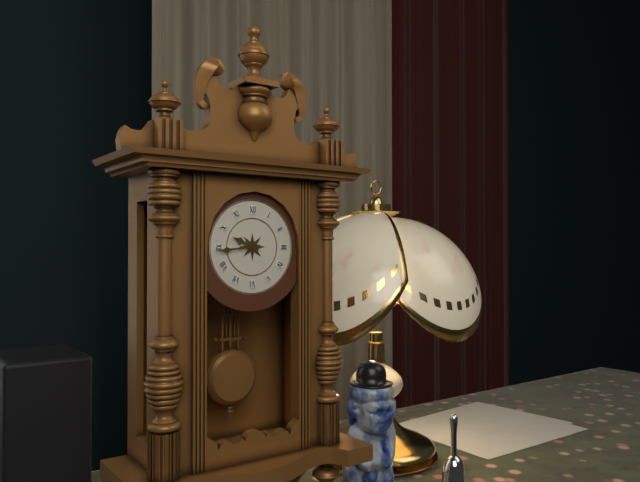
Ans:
9h44
